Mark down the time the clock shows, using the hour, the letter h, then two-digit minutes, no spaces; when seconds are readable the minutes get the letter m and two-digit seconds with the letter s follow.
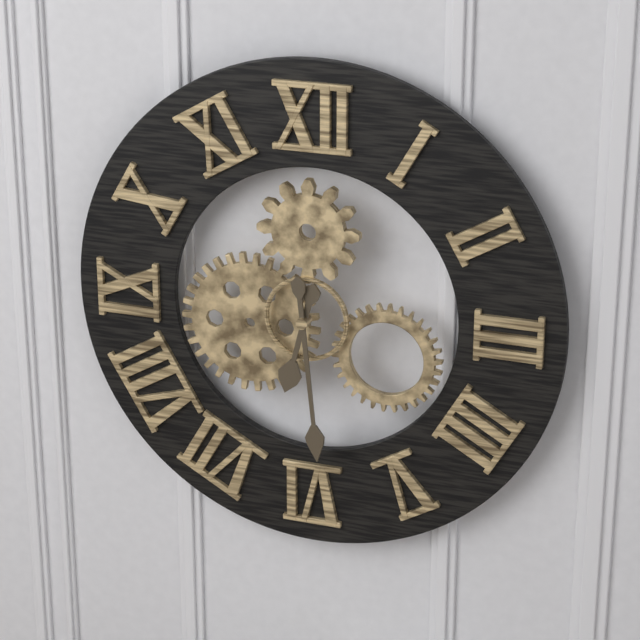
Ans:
6h29
